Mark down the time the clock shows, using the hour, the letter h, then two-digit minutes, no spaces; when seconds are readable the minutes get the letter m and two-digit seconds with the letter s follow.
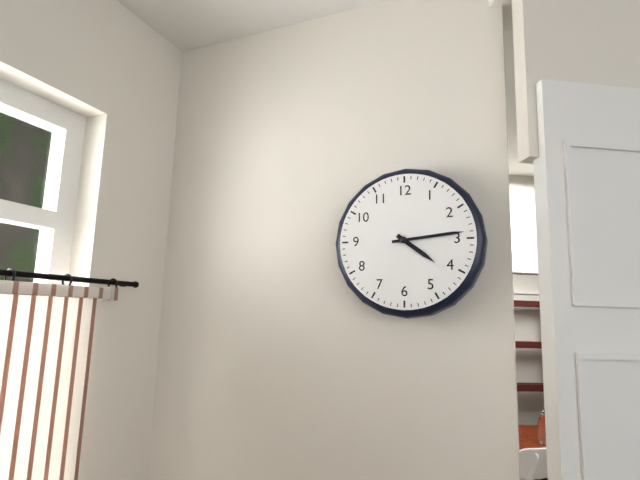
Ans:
4h14
